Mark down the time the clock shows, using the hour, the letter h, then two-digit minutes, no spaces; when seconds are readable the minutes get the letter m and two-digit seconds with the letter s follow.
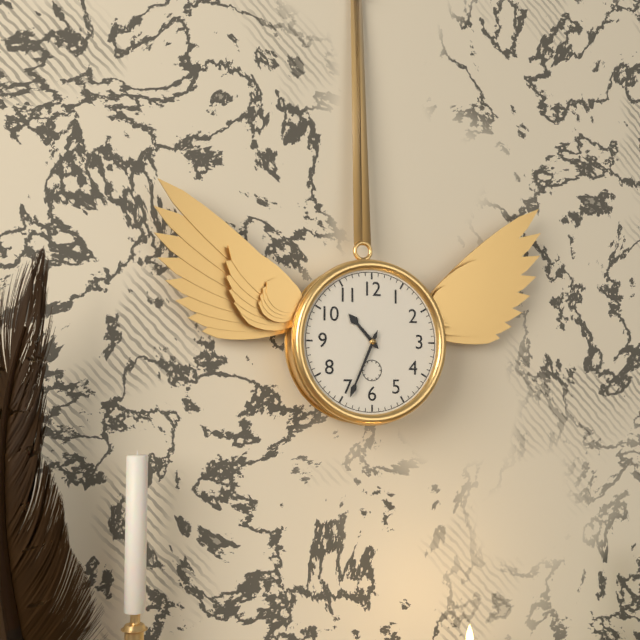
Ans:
10h34
